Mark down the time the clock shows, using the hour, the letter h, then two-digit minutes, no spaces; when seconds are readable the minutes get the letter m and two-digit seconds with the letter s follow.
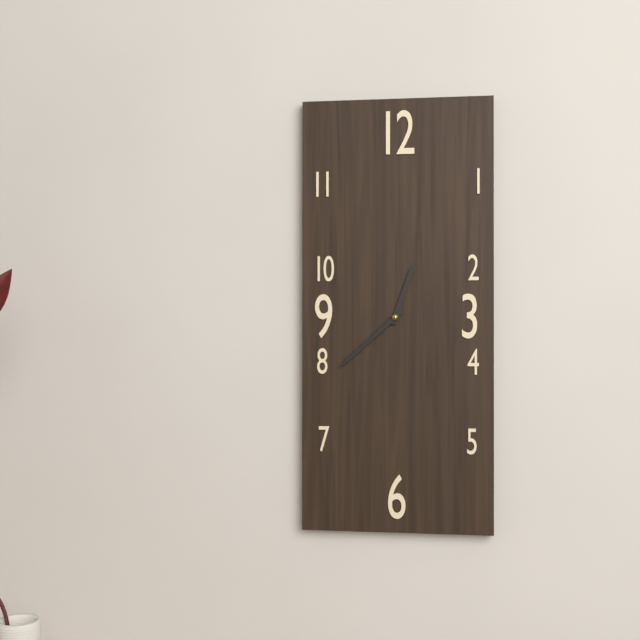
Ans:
12h38
